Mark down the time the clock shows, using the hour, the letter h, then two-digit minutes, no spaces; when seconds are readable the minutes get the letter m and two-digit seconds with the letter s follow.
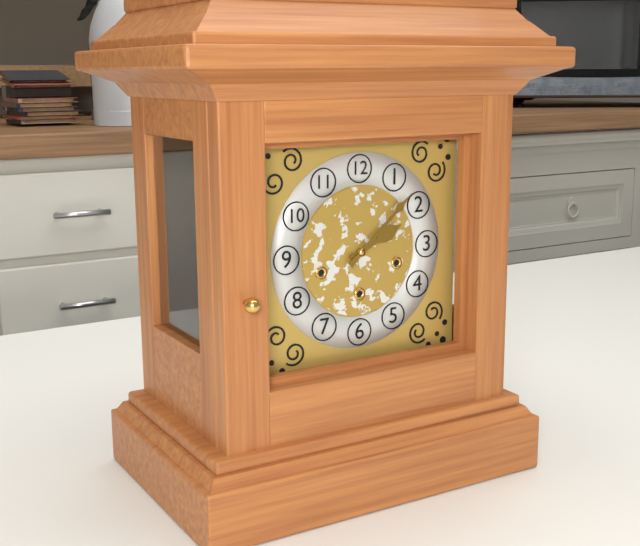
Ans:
2h08
